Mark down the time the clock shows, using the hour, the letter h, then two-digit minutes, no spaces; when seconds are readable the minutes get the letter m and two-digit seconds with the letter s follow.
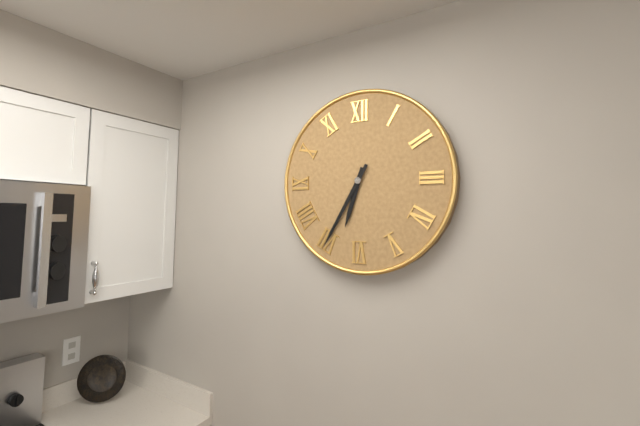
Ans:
6h35
